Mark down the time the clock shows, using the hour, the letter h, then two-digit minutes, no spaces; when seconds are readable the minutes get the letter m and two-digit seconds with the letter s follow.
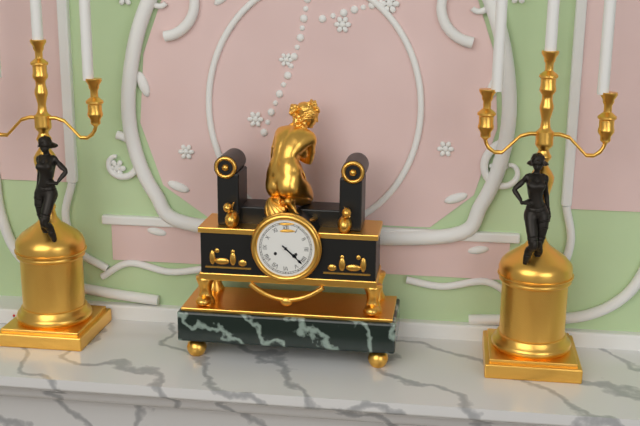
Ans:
4h22
